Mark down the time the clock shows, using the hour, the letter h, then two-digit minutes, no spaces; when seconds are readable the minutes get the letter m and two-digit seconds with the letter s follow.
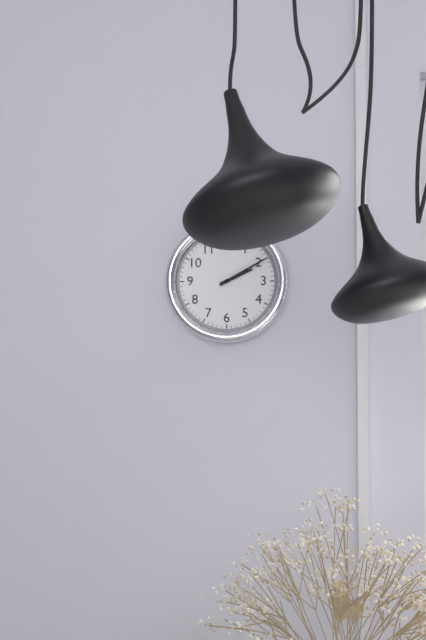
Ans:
2h10
